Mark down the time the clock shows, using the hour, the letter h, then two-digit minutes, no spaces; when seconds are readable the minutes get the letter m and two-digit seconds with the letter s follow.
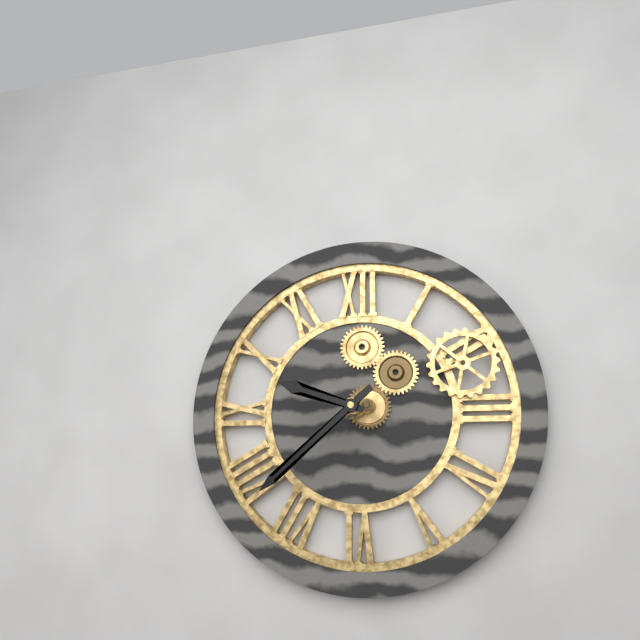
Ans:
9h38
